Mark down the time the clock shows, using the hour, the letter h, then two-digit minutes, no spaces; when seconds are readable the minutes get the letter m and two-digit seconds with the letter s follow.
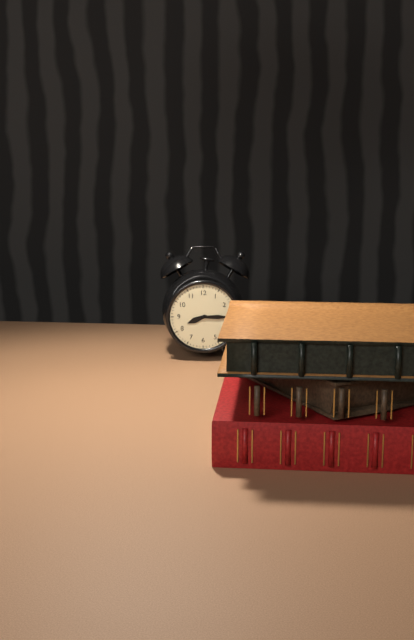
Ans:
8h15
